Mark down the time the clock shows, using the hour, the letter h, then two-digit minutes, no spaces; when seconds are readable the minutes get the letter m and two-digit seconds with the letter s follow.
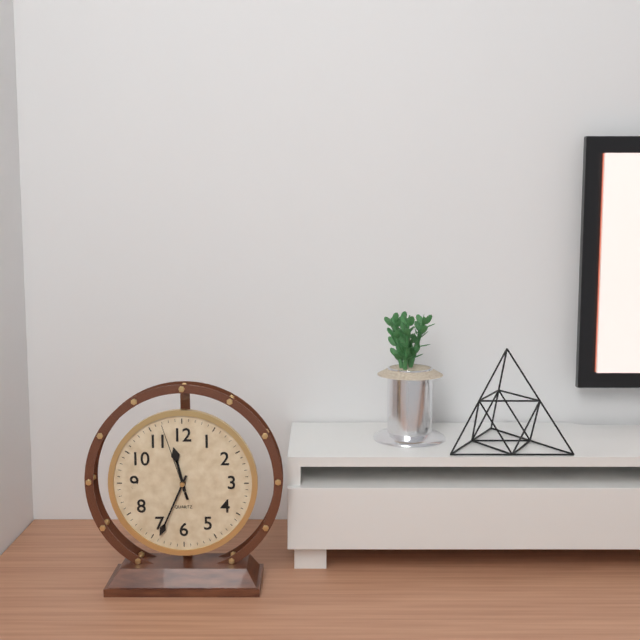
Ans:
11h34m57s
